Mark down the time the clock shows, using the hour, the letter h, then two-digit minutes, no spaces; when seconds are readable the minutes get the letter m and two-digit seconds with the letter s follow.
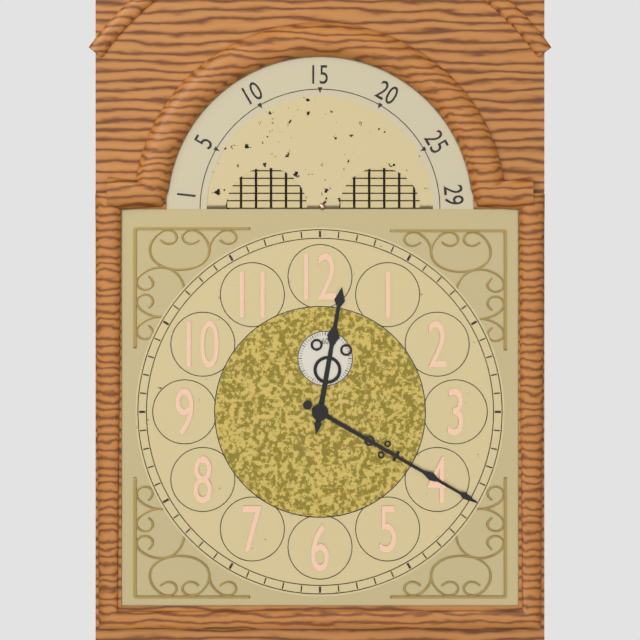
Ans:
12h20
